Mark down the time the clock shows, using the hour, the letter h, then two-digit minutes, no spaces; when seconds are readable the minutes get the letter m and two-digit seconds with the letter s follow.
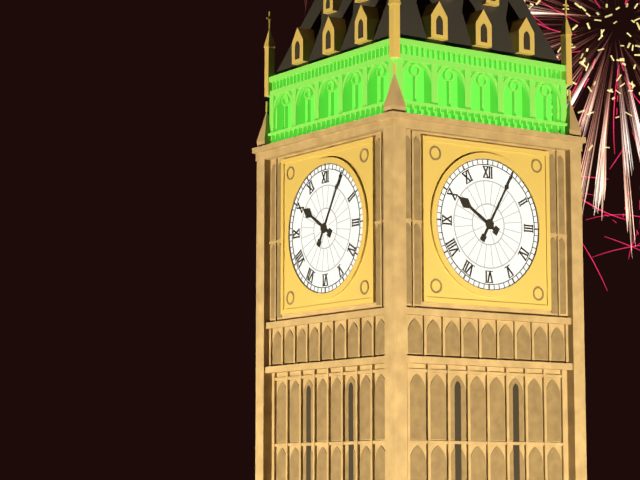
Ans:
10h05
